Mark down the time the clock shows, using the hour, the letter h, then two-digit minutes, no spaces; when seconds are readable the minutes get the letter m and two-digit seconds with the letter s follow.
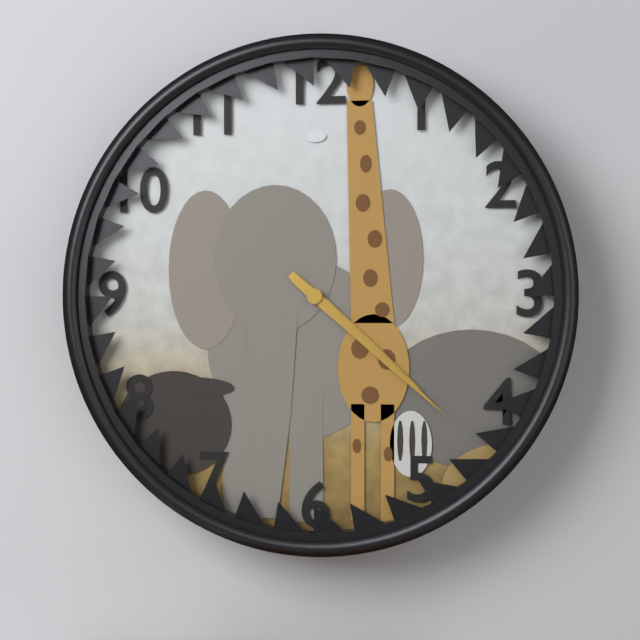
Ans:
4h22
